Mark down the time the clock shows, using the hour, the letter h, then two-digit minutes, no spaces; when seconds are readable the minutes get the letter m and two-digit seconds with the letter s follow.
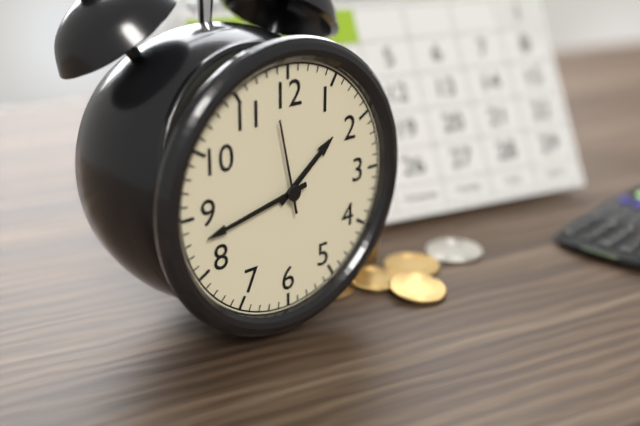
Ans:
1h43m58s
